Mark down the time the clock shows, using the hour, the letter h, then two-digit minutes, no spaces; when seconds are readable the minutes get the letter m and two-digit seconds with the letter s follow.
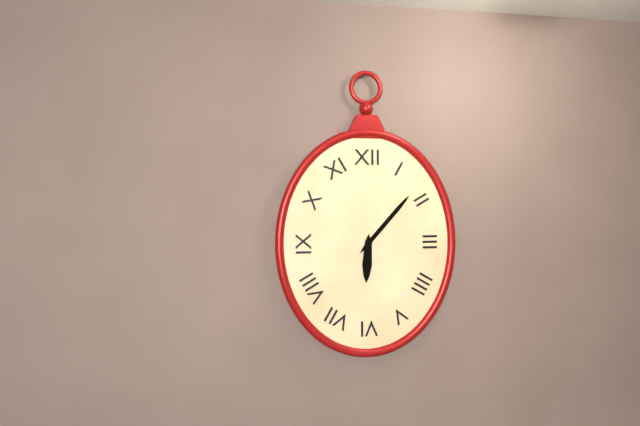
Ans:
6h07
